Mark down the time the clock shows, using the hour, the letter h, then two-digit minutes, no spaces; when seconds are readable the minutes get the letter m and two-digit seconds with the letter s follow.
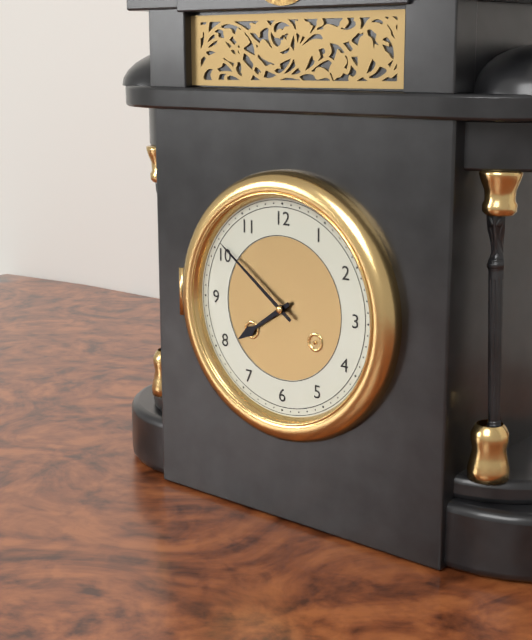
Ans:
7h51
